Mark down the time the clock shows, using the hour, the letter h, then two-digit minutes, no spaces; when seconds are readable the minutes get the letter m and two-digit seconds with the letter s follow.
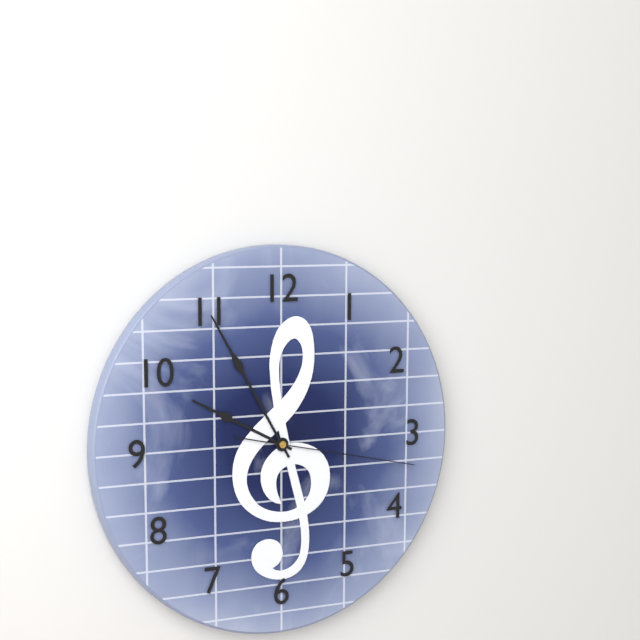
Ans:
9h55m17s
